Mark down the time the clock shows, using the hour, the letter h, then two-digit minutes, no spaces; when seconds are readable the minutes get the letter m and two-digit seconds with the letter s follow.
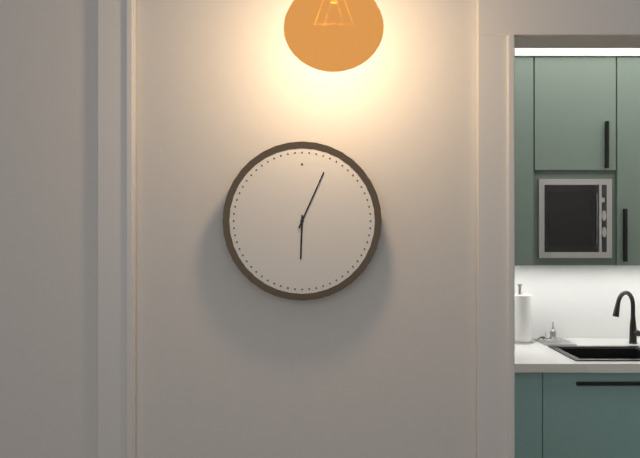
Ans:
6h04
